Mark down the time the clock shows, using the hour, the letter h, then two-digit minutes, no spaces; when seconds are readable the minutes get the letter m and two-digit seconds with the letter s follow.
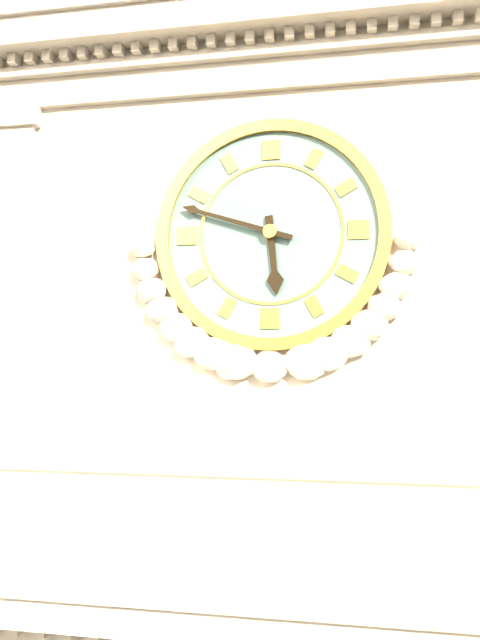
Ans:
5h48
